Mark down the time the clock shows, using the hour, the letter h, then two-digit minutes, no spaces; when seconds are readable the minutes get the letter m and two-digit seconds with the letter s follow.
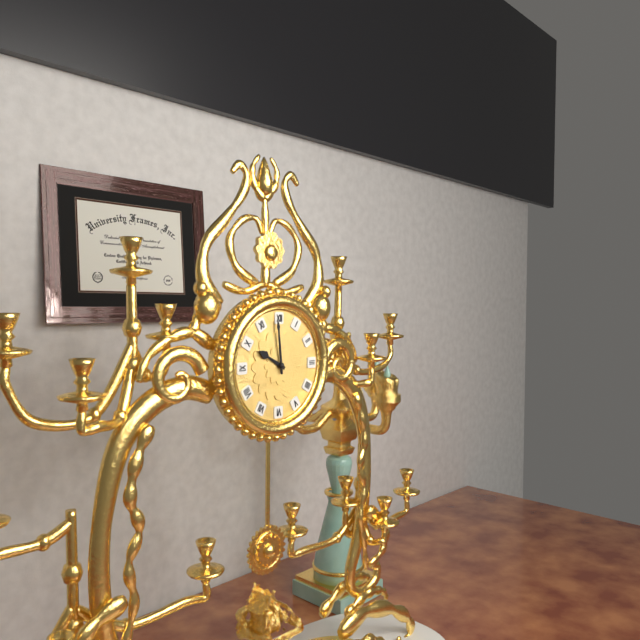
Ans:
9h59
